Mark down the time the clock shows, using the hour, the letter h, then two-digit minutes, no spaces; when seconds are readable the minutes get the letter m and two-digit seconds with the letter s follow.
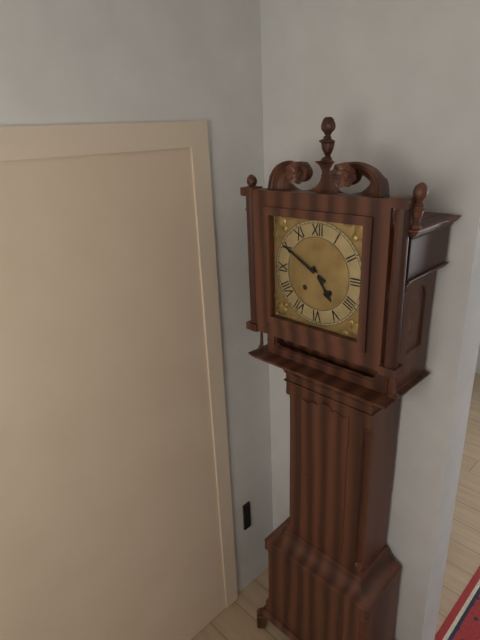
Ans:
4h50
